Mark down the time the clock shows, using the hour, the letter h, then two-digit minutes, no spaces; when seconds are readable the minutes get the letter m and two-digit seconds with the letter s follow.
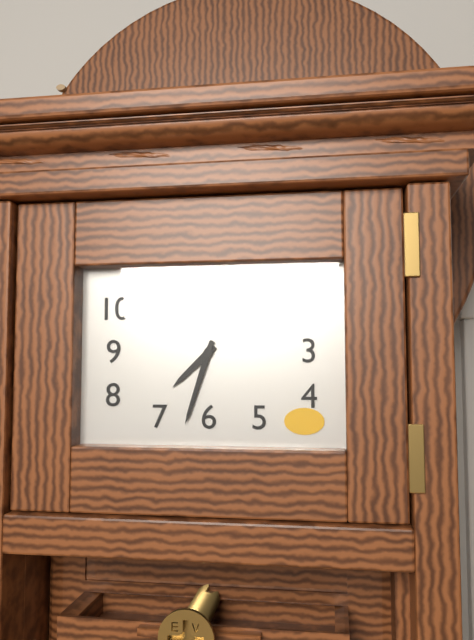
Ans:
7h33
